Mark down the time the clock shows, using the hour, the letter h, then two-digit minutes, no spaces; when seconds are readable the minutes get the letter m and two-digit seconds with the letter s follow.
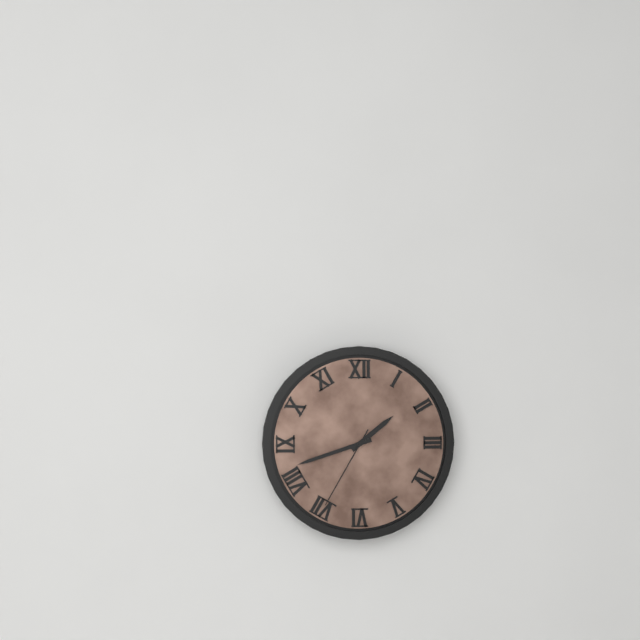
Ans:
1h42m35s
